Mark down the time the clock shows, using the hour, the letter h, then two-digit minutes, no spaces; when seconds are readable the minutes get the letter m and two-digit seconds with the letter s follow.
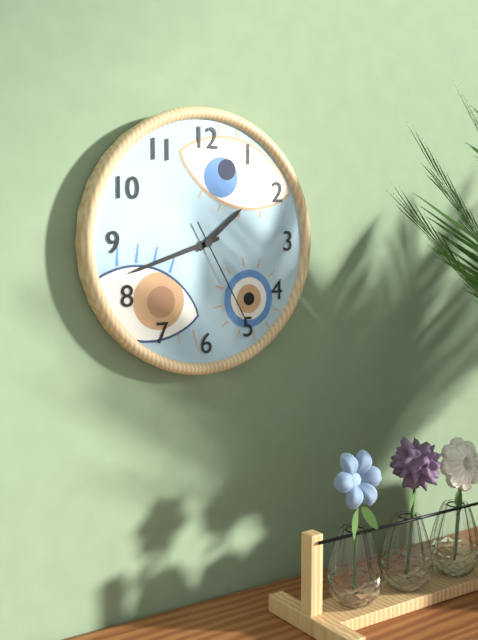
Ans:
1h42m25s
